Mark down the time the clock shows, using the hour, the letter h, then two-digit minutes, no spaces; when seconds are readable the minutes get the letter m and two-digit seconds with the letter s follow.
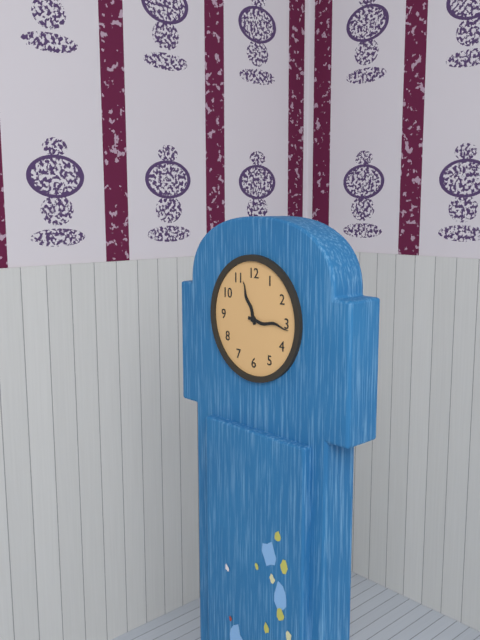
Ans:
11h16
